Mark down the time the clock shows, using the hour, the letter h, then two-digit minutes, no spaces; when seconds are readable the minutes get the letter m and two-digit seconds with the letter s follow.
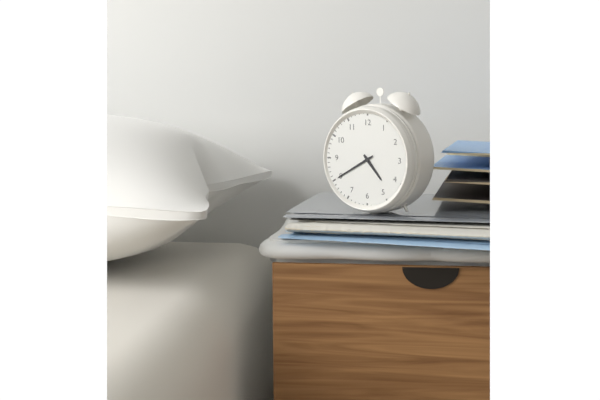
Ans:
4h40
